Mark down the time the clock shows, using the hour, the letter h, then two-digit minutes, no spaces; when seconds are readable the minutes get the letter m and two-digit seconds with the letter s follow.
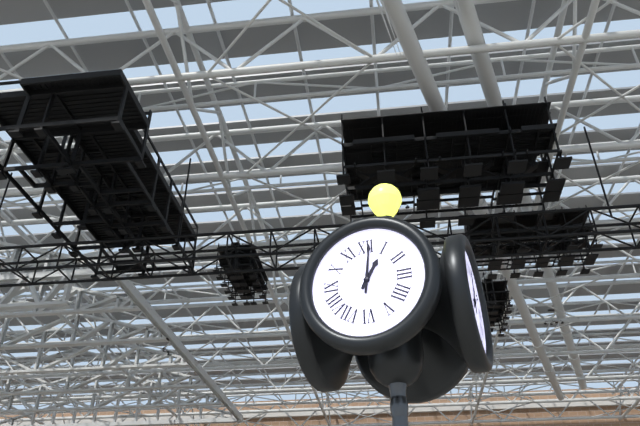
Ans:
1h01
